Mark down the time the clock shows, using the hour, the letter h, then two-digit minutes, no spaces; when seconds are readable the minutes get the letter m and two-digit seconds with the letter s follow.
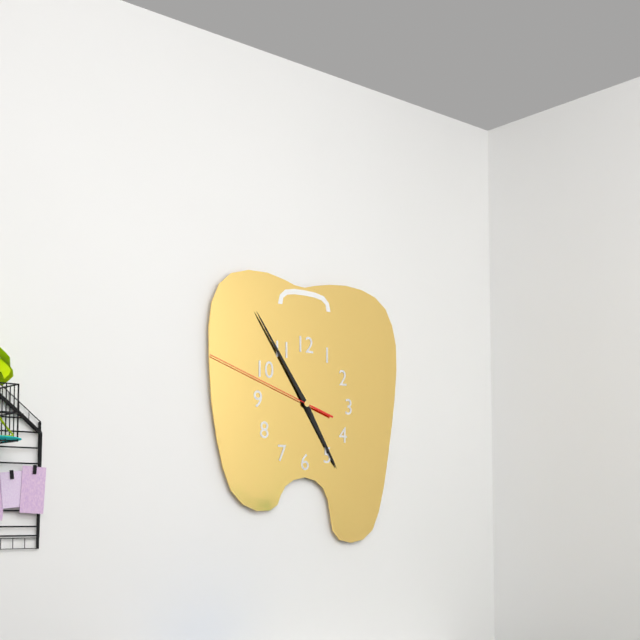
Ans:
4h54m48s
